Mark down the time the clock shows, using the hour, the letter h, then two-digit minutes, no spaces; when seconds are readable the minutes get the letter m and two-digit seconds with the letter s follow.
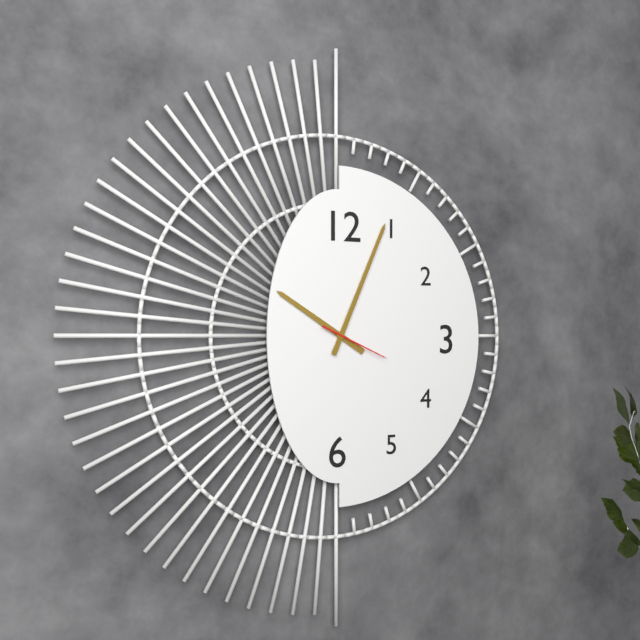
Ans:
10h04m19s
